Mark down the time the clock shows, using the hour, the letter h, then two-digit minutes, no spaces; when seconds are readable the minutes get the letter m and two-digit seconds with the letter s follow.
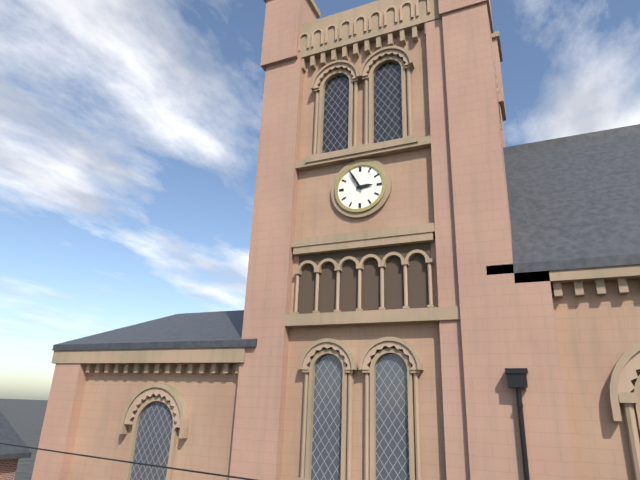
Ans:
2h55
